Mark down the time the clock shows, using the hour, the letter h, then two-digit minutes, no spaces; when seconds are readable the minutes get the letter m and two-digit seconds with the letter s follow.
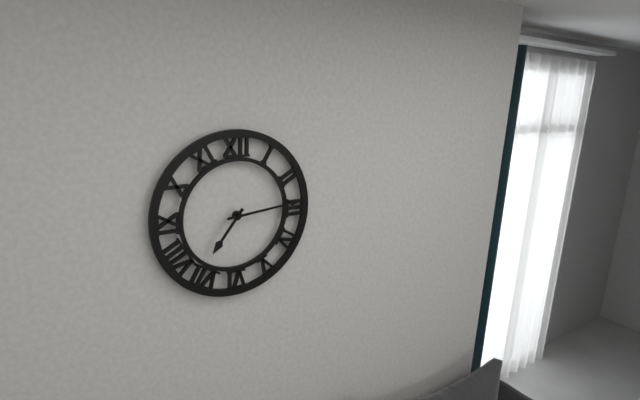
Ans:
7h14
